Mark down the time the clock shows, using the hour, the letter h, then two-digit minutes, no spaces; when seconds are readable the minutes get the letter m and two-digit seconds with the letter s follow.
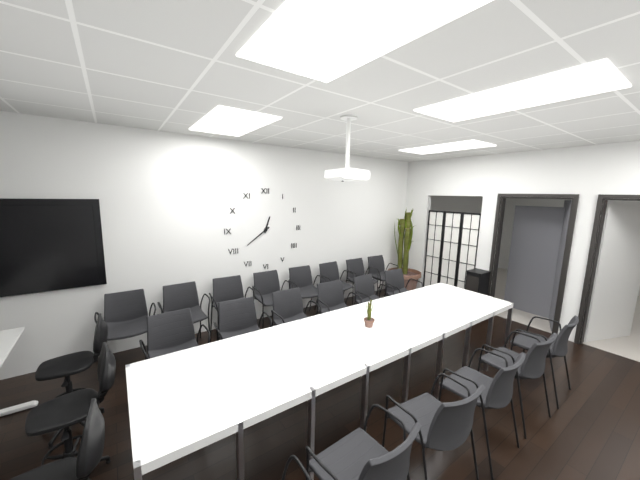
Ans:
12h39
